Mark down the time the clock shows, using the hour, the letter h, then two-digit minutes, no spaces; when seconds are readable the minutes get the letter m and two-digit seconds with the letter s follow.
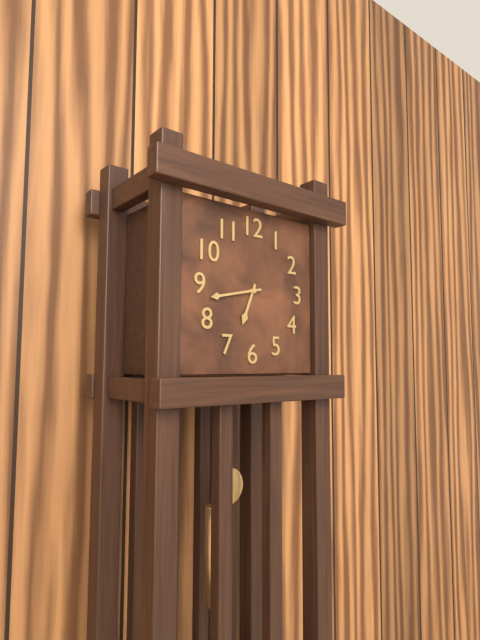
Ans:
6h43
